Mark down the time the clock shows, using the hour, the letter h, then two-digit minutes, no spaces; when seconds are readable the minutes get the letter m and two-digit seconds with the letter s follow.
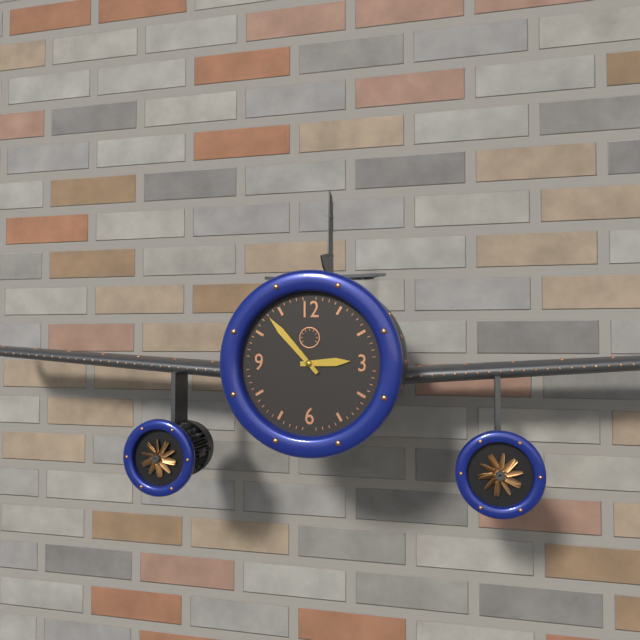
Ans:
2h53
